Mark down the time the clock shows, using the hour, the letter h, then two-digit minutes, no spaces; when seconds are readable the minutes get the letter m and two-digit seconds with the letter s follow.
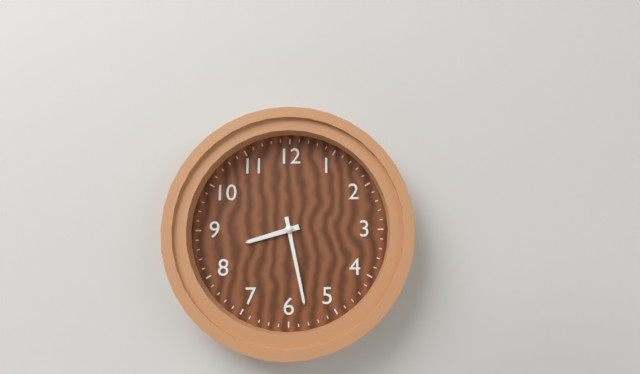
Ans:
8h28
